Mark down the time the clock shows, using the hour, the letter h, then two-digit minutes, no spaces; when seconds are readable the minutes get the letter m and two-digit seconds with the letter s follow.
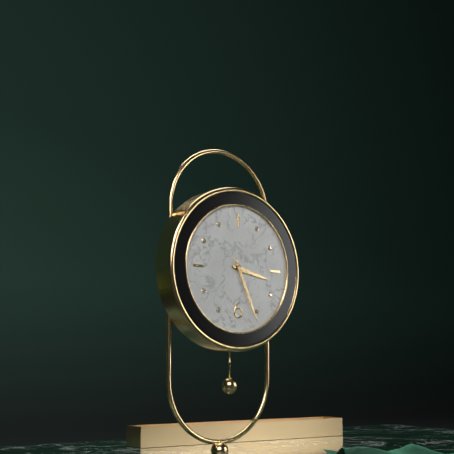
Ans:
3h26
